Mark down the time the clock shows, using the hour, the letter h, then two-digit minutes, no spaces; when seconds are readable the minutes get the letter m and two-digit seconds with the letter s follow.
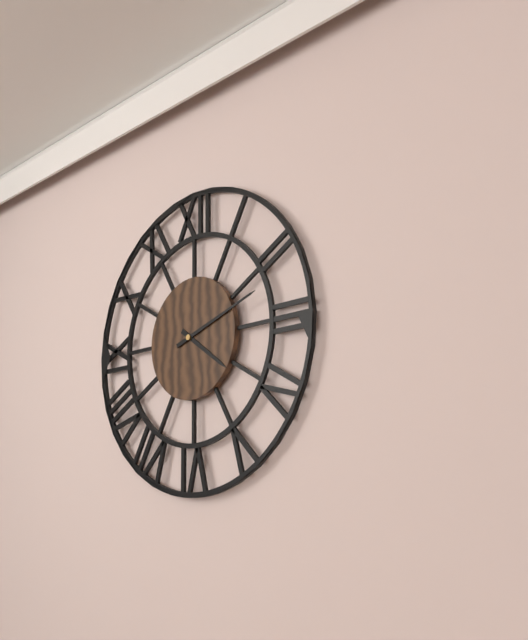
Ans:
4h12
